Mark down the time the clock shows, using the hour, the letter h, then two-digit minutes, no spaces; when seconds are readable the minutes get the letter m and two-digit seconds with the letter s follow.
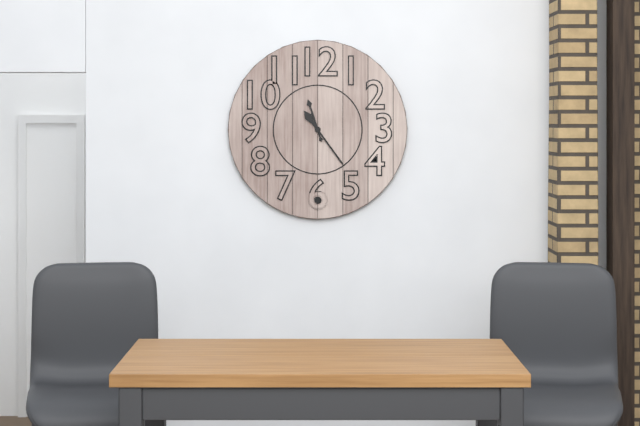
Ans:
11h24
